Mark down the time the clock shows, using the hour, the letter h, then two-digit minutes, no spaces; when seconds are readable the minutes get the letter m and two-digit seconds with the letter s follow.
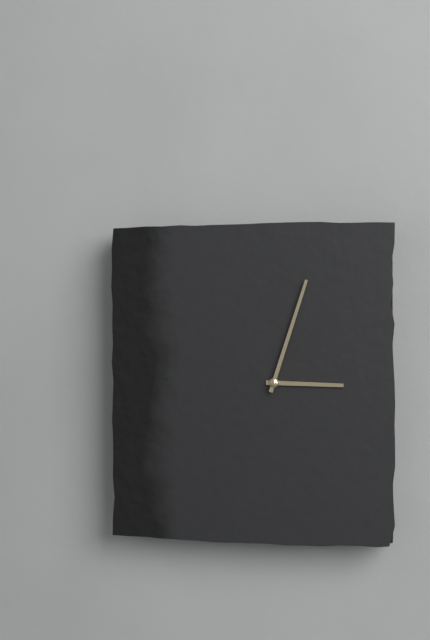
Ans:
3h03
